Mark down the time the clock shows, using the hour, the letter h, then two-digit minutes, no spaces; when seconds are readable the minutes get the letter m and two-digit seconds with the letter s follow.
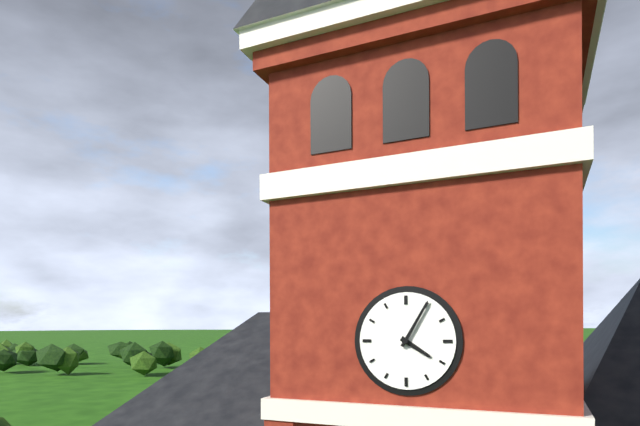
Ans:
4h05
